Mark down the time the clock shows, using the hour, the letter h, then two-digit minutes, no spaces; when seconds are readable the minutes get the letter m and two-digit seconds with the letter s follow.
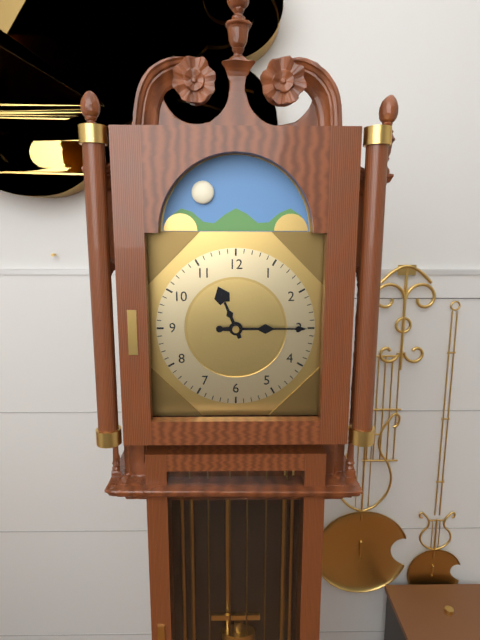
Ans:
11h15
